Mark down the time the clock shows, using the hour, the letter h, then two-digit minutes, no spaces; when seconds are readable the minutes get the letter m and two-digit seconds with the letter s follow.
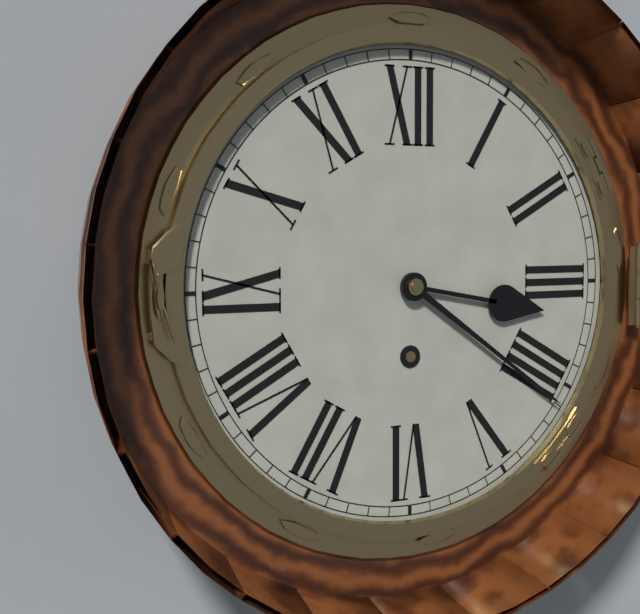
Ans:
3h21
